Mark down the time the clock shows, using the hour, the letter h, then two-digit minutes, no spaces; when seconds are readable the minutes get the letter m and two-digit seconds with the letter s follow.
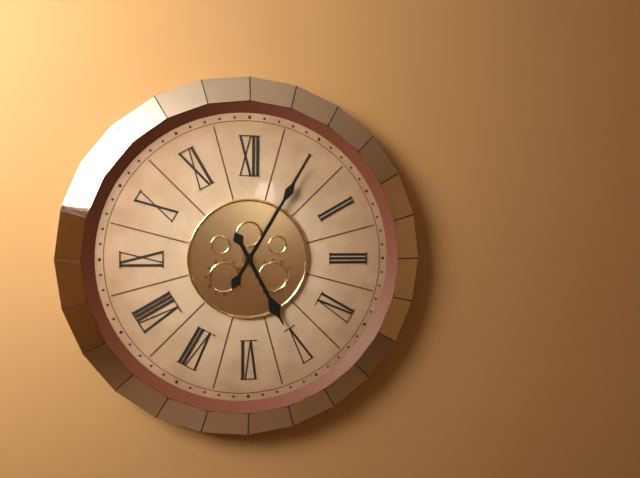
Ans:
5h05
